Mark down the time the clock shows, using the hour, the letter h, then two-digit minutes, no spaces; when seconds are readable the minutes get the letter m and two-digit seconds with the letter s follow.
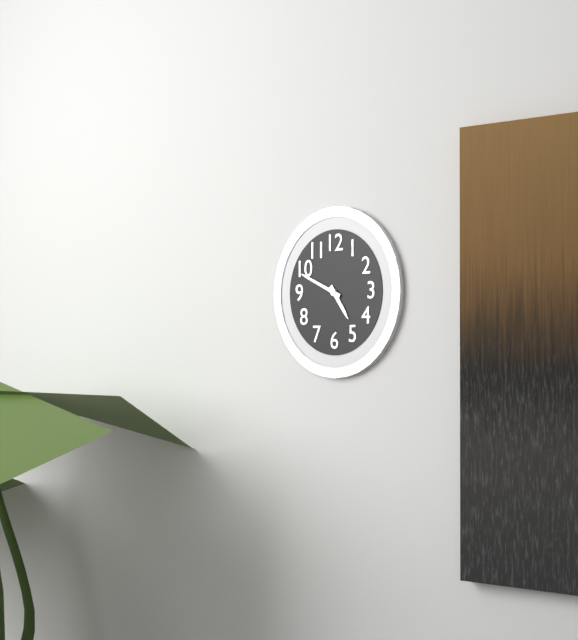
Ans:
4h49
